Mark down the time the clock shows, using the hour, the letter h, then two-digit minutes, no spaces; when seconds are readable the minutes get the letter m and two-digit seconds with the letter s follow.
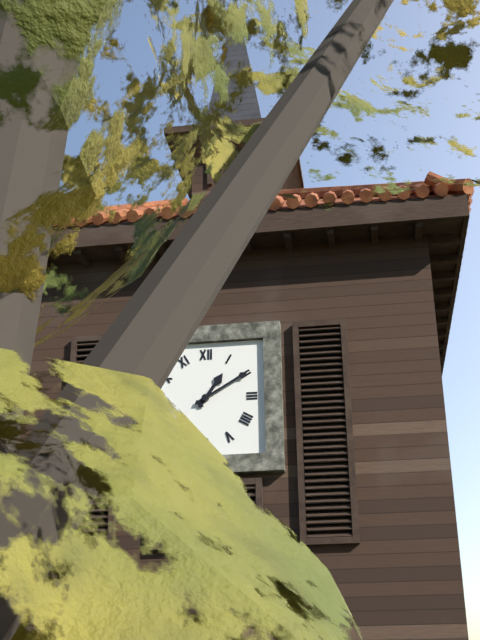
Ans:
1h10
